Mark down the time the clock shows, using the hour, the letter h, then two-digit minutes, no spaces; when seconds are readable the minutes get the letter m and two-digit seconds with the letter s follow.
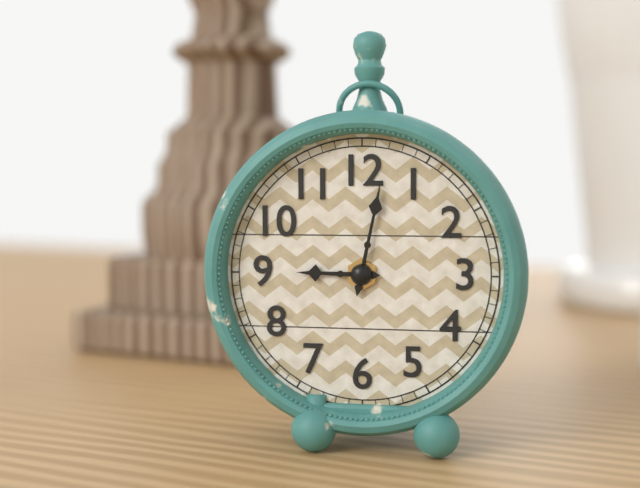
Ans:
9h02
